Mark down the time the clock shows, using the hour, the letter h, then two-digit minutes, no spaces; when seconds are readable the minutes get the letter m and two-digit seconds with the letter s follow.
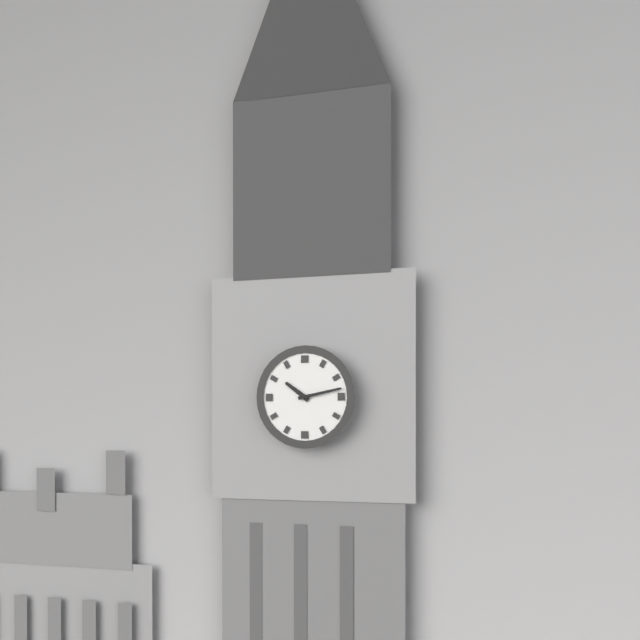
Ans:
10h13
